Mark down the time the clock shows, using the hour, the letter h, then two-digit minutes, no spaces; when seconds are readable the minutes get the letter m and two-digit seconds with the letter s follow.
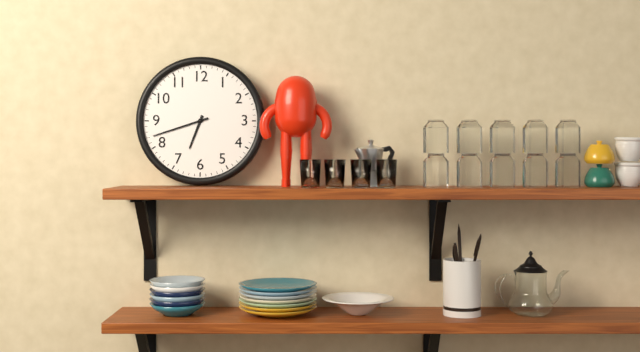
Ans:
6h42
